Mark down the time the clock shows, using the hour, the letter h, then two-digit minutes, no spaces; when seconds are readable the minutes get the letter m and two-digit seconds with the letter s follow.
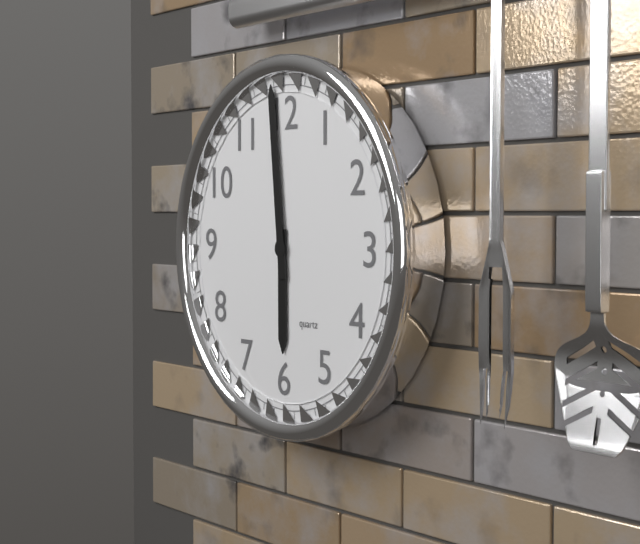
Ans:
5h59
